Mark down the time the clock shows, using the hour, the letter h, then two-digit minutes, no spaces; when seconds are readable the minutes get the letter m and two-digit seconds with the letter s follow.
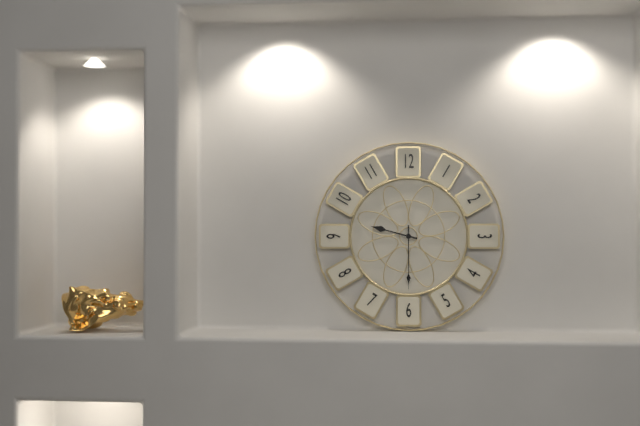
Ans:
9h30
